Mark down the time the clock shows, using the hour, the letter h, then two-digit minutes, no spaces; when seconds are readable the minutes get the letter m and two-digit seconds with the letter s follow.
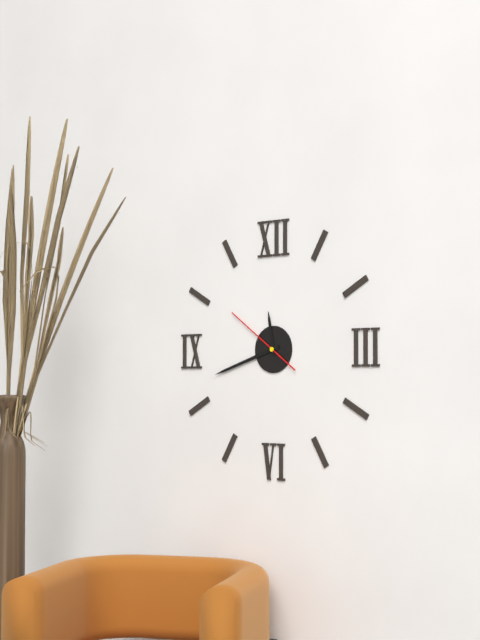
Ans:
11h42m51s
